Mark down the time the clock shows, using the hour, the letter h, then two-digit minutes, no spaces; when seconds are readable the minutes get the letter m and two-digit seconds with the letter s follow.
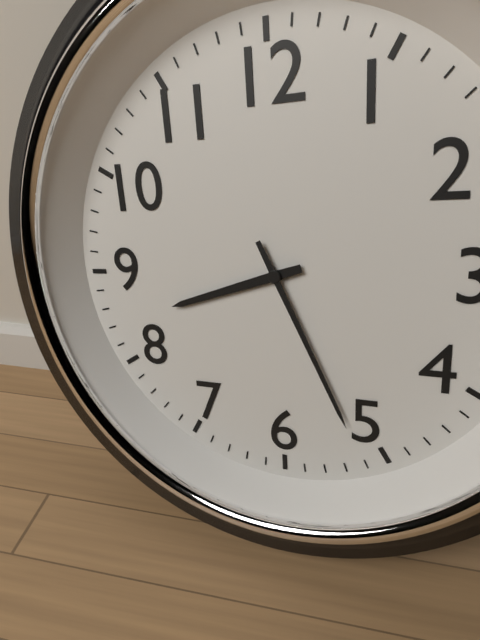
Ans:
8h26
